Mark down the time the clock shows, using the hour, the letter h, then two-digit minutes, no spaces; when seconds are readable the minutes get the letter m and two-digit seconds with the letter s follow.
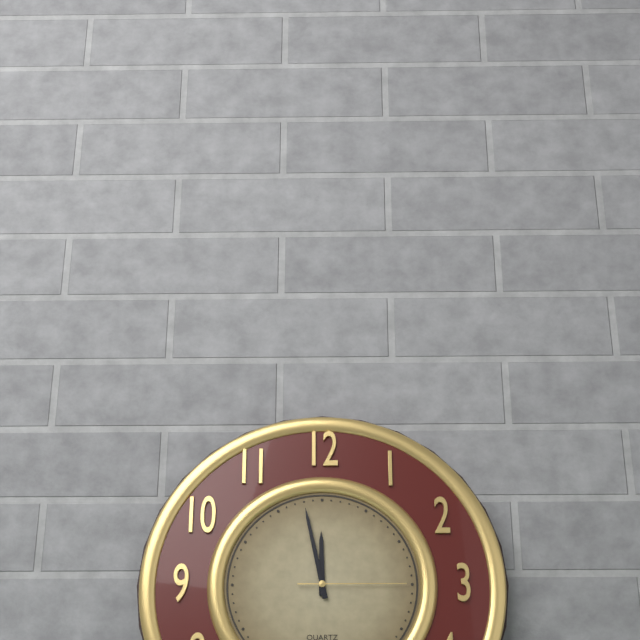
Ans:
11h58m15s
